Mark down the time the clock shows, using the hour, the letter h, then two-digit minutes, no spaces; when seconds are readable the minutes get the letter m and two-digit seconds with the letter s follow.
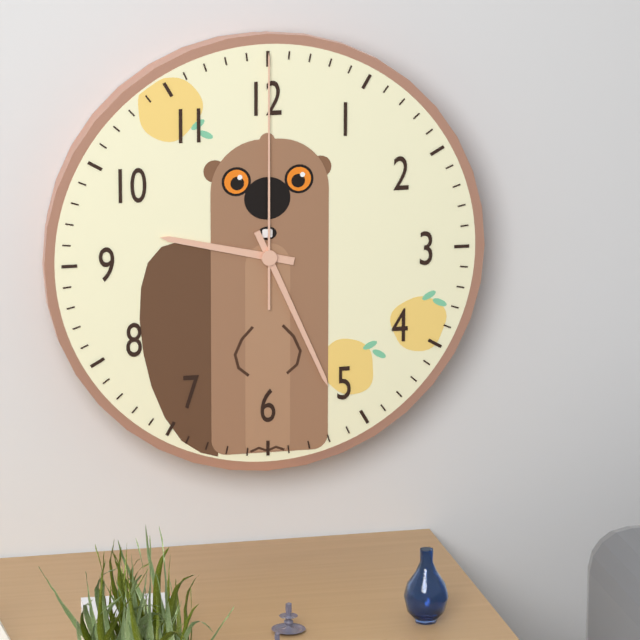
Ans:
9h26m00s
